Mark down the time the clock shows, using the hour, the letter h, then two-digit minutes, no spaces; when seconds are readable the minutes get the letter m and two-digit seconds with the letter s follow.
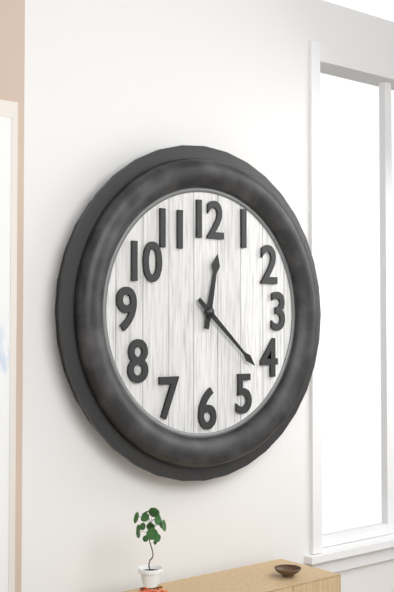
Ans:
12h22
